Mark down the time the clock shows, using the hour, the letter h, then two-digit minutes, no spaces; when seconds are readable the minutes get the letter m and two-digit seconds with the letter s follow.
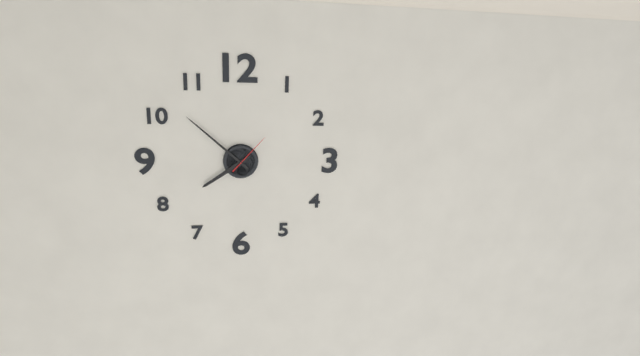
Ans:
7h52
